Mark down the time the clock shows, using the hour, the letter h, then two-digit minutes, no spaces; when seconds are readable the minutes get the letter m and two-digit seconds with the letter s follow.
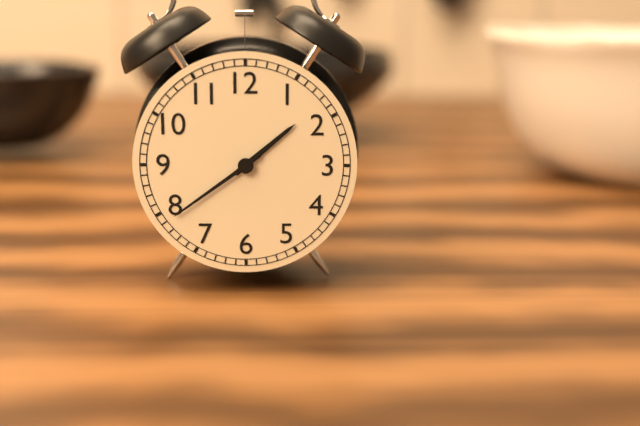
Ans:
1h39
